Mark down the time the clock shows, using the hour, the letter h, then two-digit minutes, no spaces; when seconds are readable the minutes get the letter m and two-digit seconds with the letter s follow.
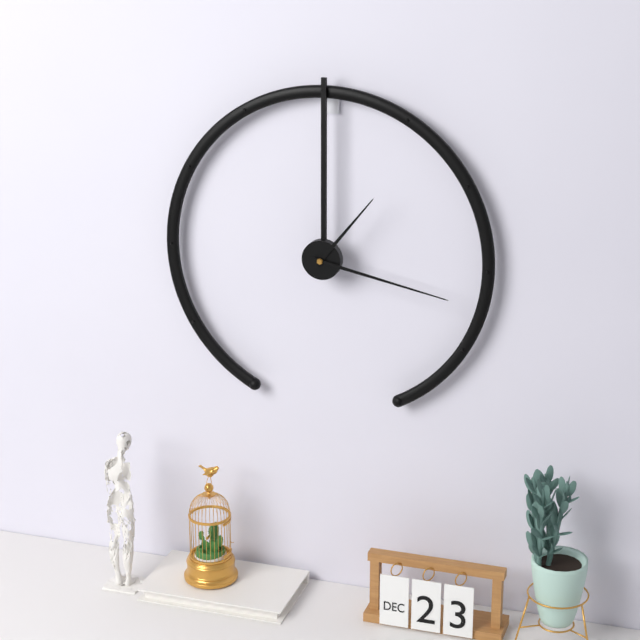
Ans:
1h17
